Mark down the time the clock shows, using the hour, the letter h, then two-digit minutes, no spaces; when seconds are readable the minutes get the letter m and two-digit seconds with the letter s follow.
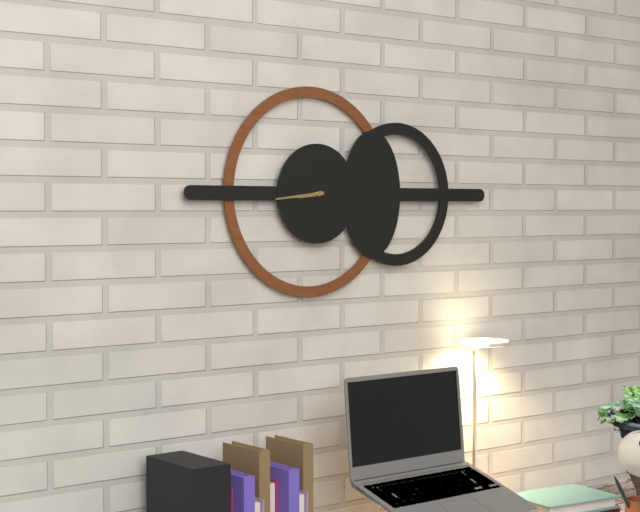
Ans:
8h44
